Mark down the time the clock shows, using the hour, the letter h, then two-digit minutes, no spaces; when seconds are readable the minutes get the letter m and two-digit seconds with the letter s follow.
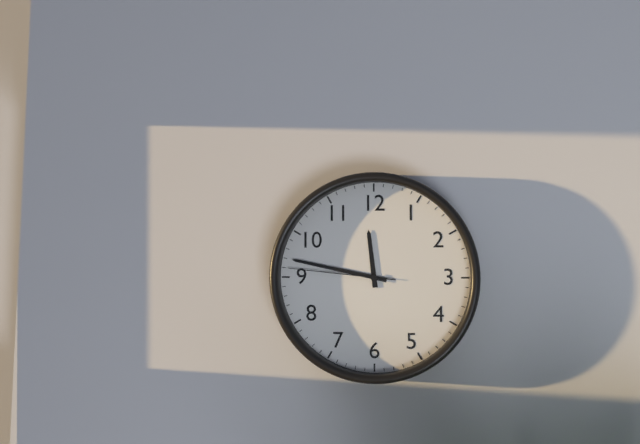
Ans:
11h47m46s
